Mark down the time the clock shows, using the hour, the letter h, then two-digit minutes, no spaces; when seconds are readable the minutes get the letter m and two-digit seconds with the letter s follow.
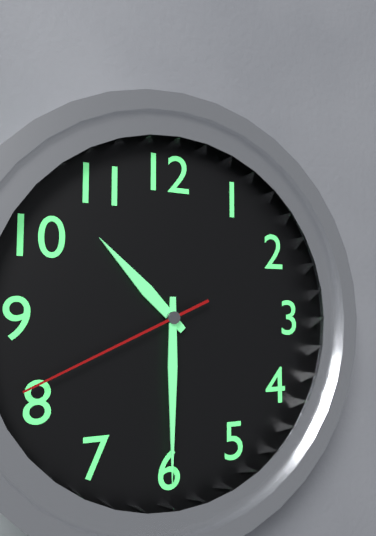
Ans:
10h30m41s
